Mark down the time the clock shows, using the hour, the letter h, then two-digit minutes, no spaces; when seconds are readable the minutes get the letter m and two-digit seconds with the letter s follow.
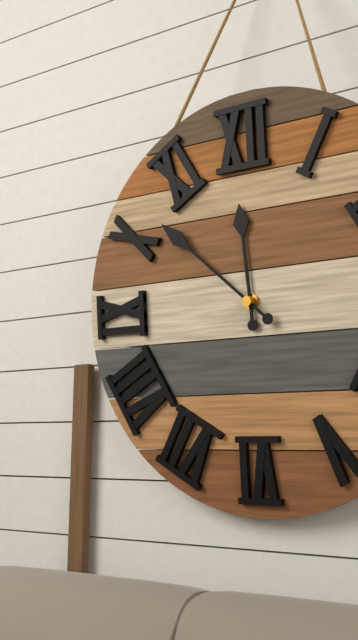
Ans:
11h52
